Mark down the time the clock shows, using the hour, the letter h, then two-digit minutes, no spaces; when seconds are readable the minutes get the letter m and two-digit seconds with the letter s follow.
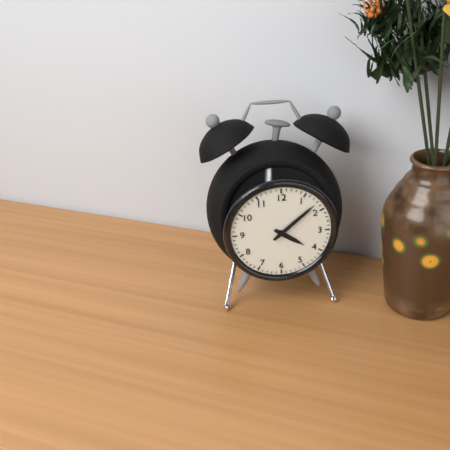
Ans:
4h08
